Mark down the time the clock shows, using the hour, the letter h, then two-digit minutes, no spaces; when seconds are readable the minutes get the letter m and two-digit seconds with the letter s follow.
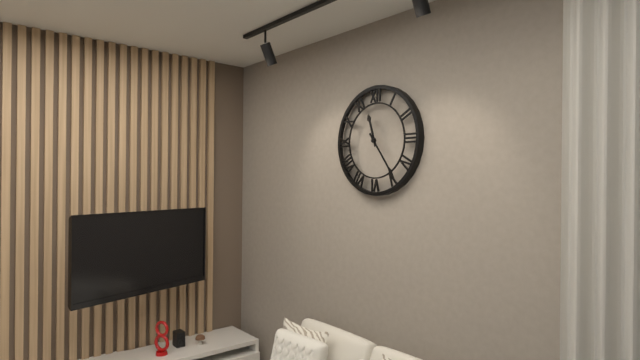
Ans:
11h24
